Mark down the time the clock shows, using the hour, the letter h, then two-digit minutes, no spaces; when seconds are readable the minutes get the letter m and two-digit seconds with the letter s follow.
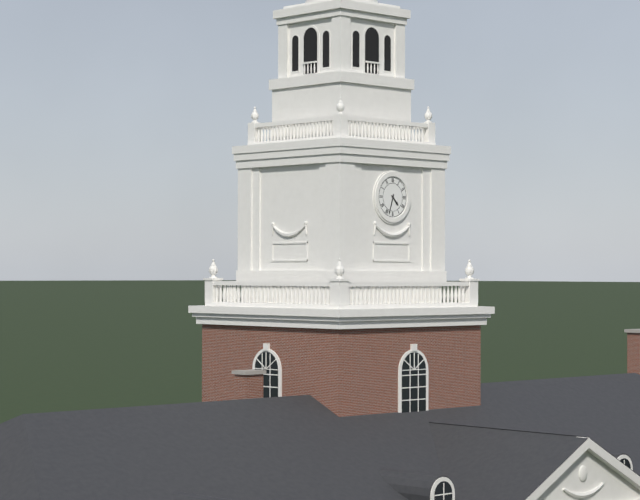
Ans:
4h33
